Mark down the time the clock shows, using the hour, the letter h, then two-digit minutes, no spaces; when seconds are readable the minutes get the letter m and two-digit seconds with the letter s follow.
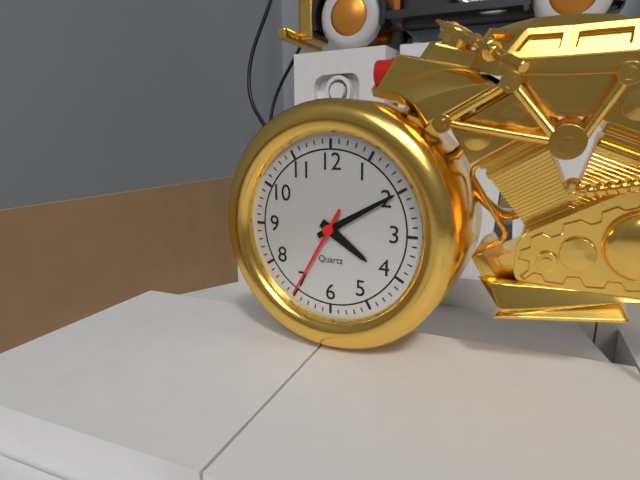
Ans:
4h10m35s
